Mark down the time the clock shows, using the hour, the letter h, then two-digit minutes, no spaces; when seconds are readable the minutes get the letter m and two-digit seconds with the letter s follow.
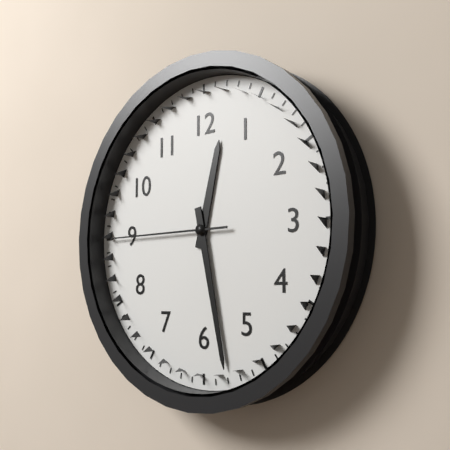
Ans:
12h28m45s
